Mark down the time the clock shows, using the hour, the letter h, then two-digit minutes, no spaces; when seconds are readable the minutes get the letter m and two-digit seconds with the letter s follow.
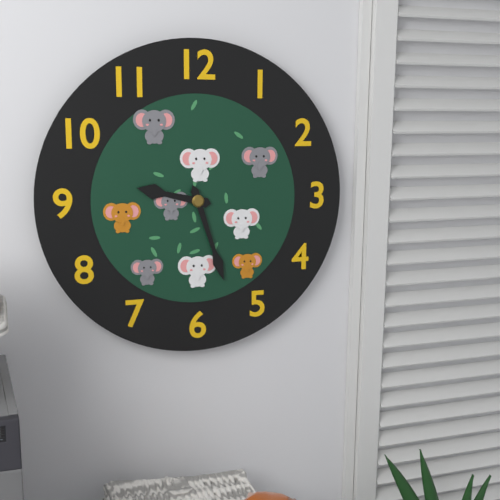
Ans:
9h27
